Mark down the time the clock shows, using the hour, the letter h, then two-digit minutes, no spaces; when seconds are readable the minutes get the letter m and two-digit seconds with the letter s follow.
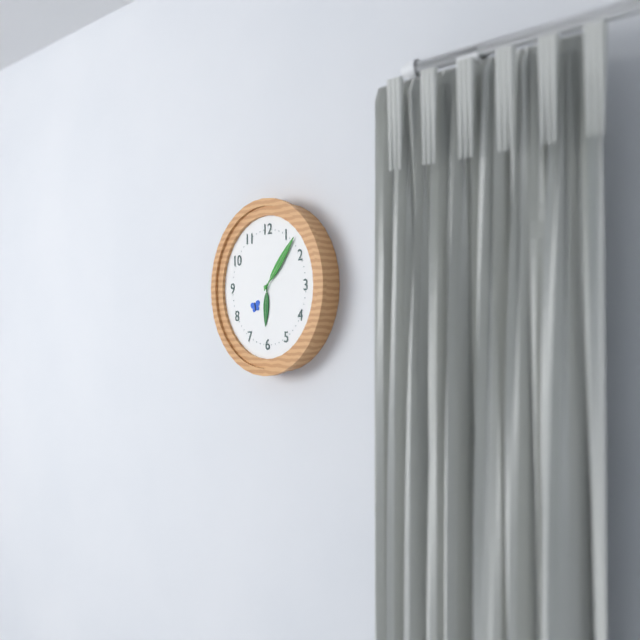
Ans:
6h07
